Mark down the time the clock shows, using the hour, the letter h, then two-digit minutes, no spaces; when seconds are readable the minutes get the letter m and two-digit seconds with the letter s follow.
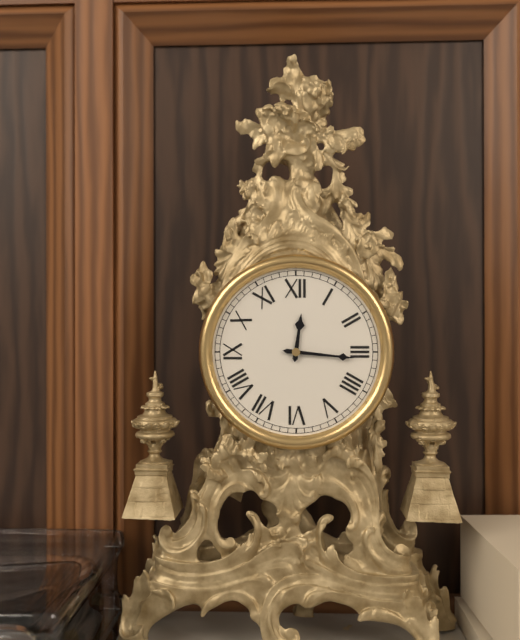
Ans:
12h16
